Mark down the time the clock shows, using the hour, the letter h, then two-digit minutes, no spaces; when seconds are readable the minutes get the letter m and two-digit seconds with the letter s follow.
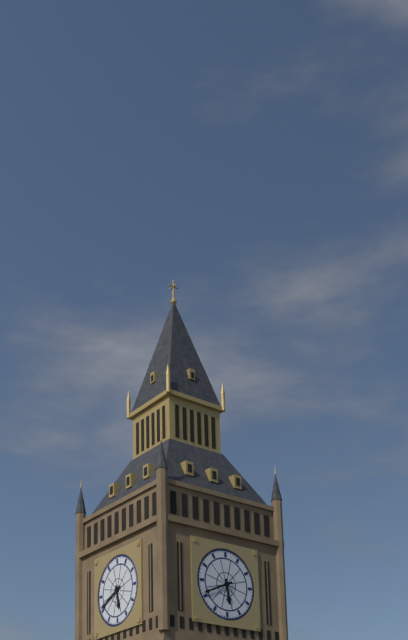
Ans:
5h41
